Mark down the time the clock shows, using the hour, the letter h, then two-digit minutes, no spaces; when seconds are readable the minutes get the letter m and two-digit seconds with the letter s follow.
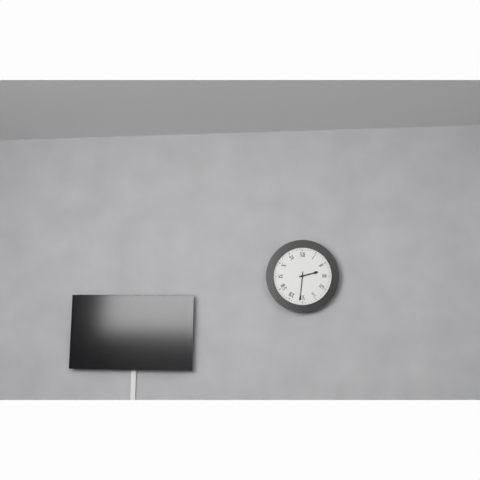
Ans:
2h31
